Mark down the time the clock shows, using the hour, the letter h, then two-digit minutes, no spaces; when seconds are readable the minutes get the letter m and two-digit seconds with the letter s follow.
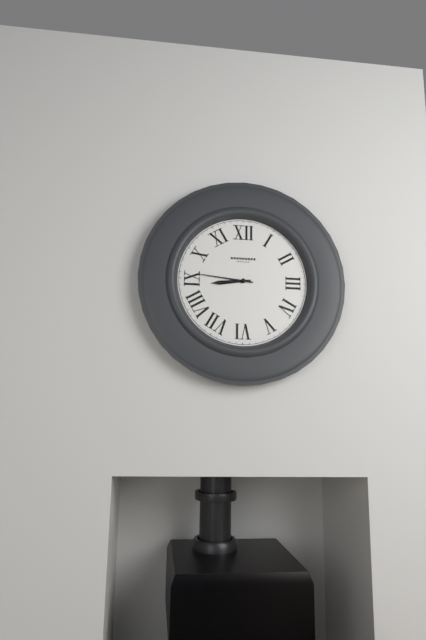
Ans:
8h46
